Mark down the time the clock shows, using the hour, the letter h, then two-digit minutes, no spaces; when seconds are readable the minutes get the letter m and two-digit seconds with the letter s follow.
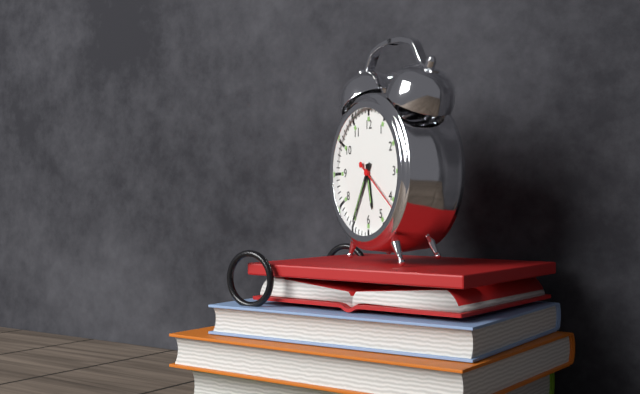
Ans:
5h35m21s
